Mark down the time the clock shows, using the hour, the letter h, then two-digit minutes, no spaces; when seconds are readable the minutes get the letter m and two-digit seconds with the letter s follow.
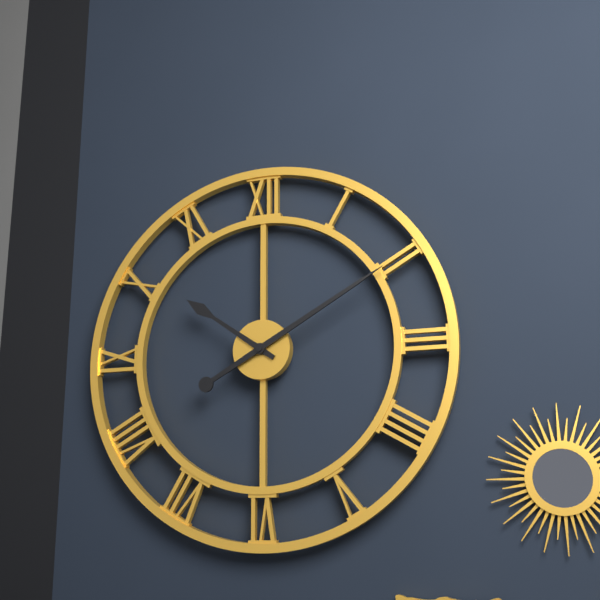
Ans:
10h10
